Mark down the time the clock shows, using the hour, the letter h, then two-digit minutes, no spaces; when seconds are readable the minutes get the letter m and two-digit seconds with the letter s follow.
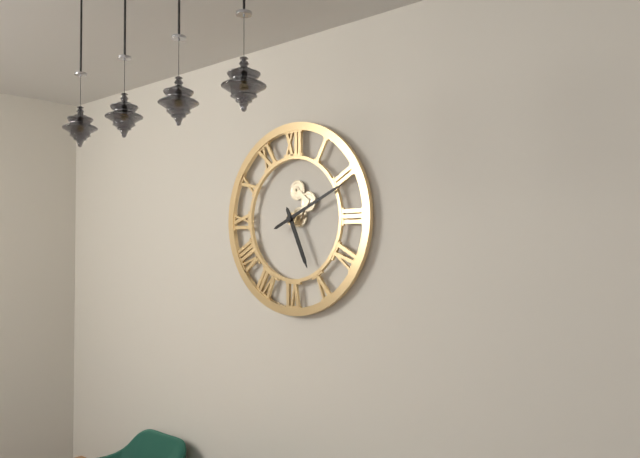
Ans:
5h11
